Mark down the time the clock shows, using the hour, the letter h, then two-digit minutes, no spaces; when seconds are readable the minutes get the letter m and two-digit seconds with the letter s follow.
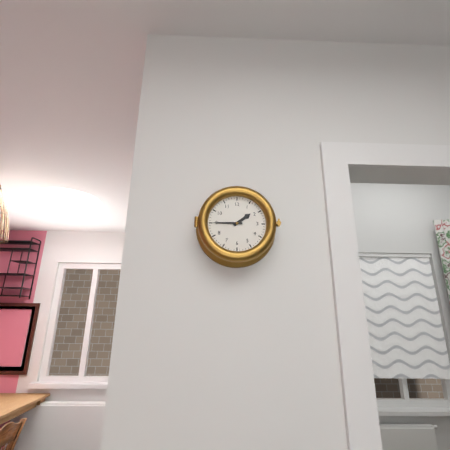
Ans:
1h45
